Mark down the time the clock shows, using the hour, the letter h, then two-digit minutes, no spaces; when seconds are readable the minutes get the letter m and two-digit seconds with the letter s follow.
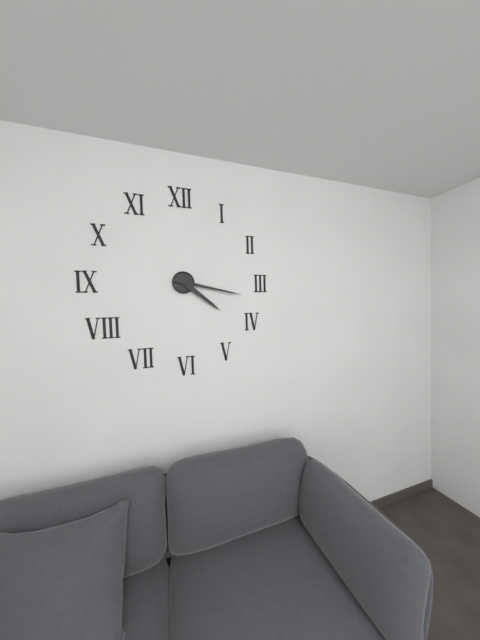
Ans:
4h17
